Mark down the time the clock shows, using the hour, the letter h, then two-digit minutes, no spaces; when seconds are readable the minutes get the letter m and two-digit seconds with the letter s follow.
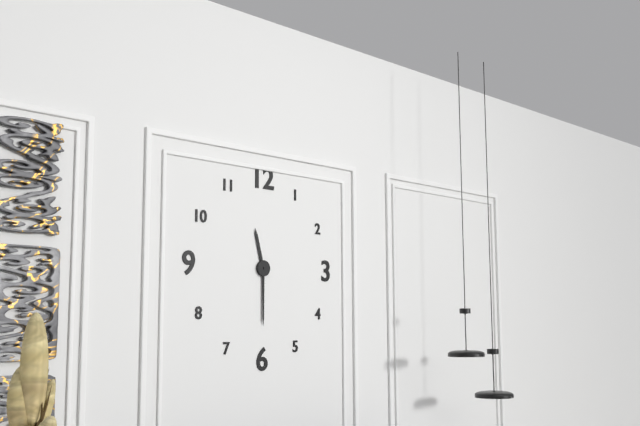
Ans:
11h30
